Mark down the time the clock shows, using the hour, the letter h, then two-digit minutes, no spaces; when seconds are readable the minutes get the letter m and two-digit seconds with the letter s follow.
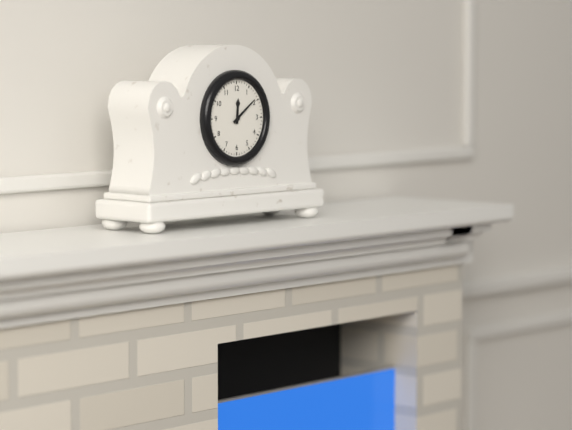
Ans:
12h09
